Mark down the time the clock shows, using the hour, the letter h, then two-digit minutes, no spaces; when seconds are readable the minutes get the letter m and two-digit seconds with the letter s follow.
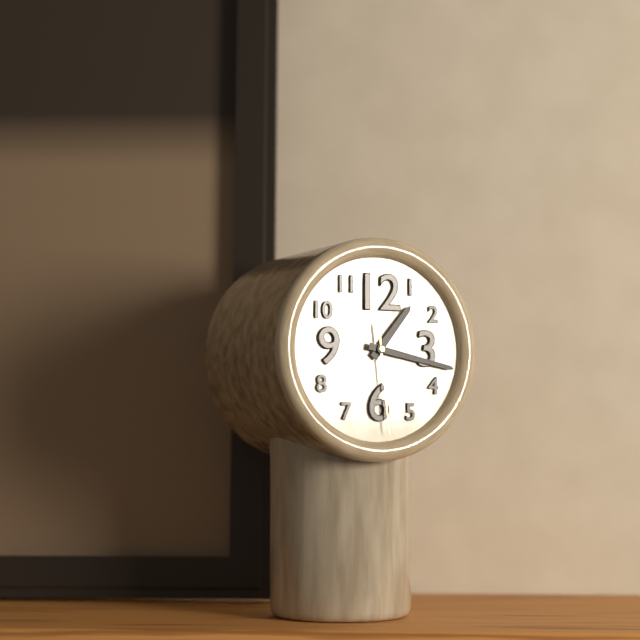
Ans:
1h17m29s
